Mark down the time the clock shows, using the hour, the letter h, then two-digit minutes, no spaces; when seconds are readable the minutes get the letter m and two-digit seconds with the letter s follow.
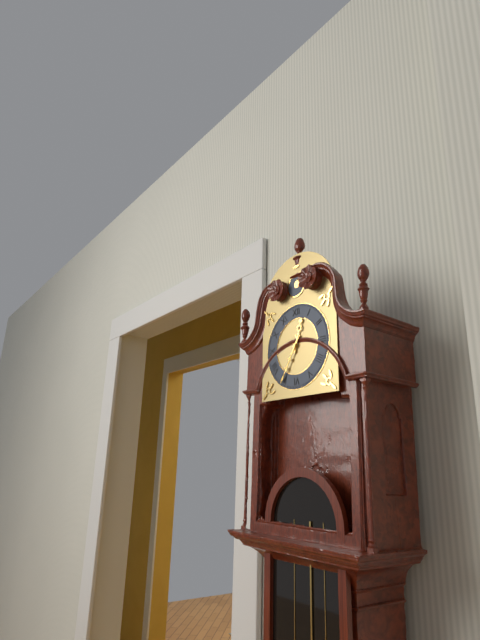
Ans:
12h35
